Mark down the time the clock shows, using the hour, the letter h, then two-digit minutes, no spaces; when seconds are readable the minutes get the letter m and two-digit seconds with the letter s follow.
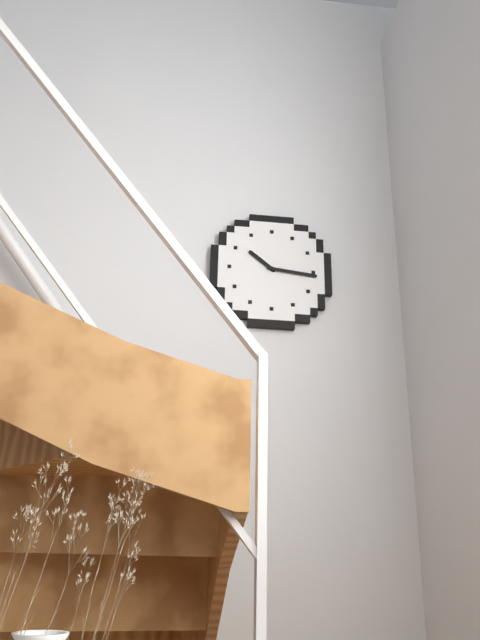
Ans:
10h16
